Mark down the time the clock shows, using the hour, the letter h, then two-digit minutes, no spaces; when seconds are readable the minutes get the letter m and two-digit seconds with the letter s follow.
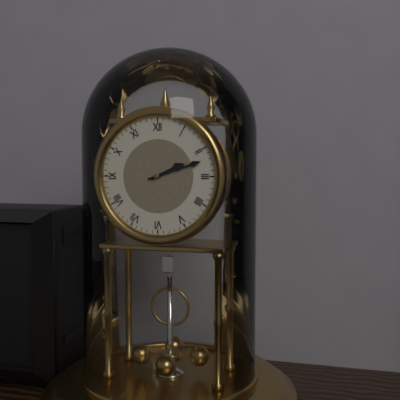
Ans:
2h12
